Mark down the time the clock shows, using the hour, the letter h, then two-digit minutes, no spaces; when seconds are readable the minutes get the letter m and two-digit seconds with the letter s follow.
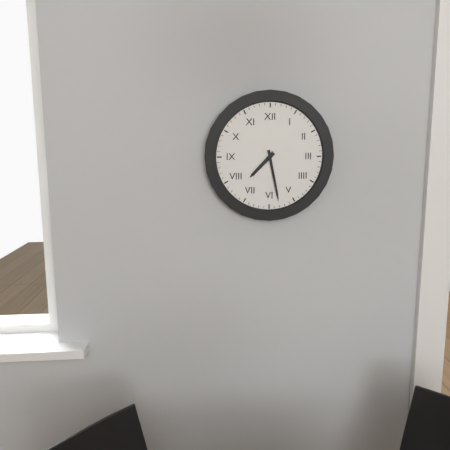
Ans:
7h28
